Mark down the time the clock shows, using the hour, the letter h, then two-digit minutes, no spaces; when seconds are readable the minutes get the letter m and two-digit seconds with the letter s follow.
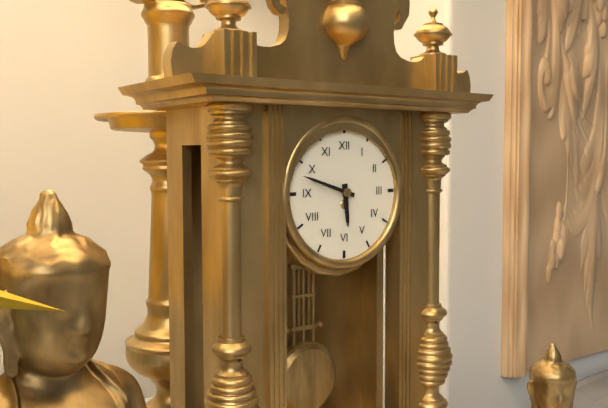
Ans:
5h48
